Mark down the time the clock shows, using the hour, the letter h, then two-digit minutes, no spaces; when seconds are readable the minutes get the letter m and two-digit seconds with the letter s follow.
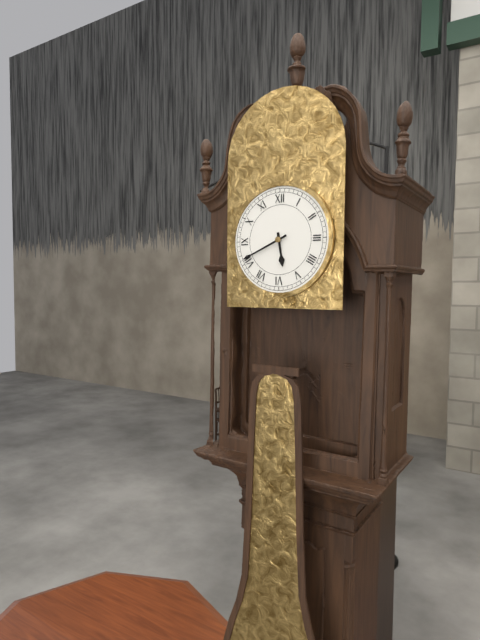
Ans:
5h41
